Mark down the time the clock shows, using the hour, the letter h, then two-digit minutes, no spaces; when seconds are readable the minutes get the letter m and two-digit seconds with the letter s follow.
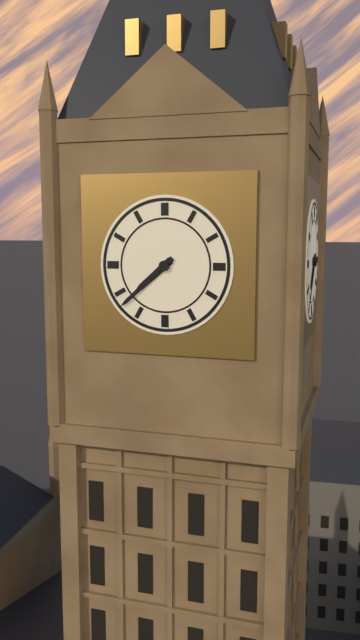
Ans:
7h38
